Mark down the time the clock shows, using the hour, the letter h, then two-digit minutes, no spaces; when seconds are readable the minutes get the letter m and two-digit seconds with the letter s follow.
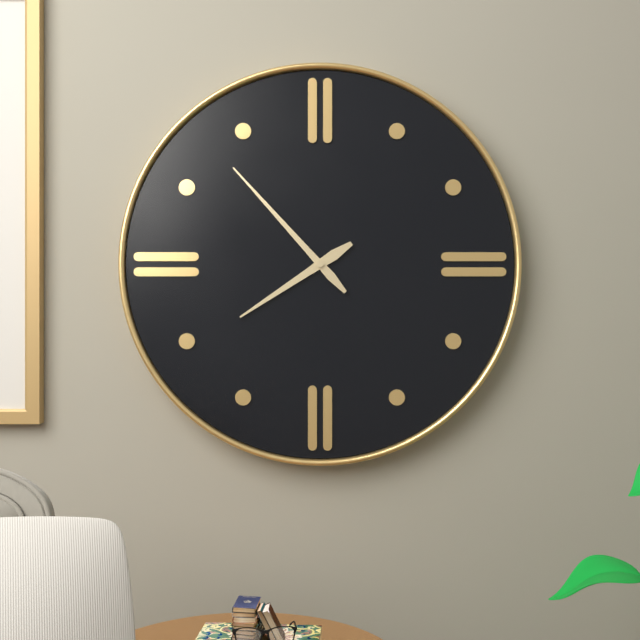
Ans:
7h53
